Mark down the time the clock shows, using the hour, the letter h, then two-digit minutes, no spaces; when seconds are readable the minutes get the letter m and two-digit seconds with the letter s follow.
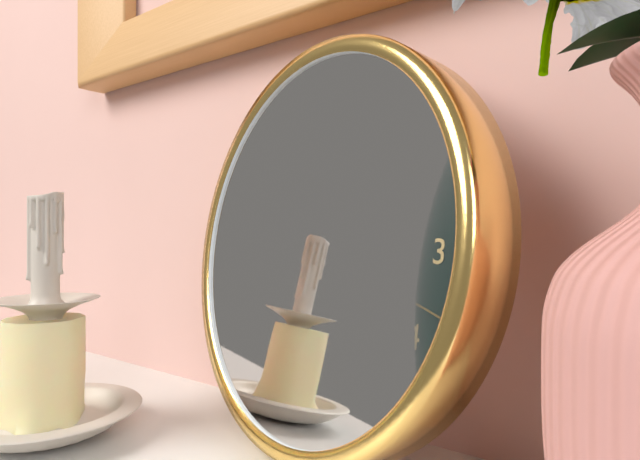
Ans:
4h27m18s
